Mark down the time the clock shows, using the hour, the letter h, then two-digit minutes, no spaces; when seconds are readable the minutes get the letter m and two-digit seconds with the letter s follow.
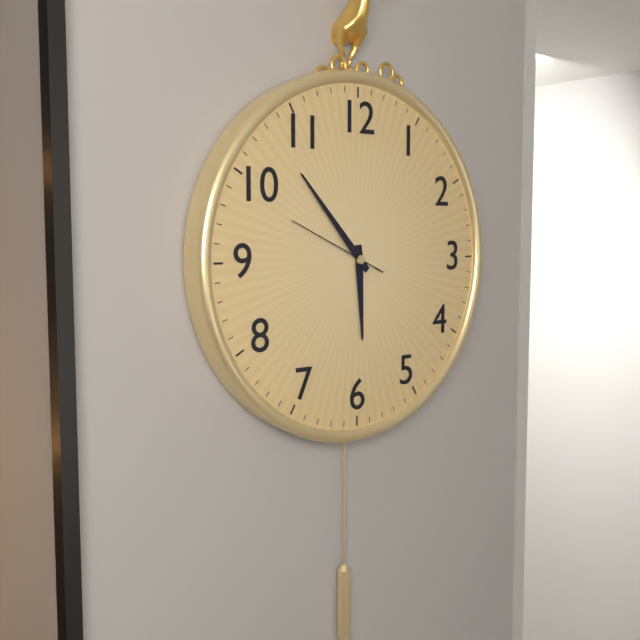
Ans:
5h53m49s
